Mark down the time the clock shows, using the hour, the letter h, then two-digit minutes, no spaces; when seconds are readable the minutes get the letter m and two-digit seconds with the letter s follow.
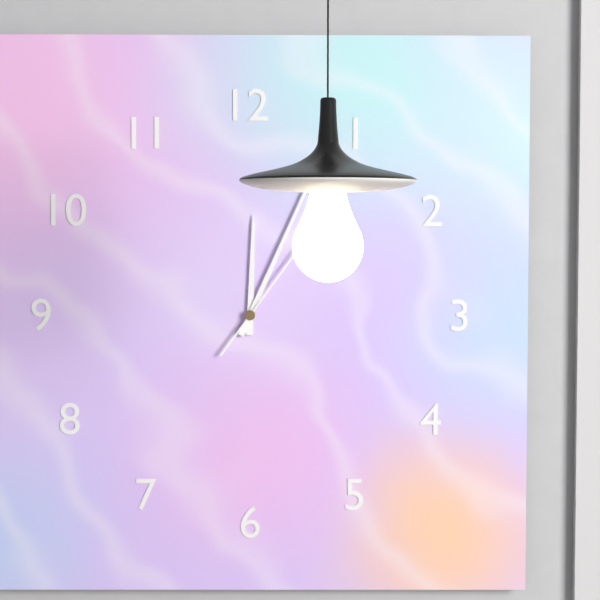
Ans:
12h04
